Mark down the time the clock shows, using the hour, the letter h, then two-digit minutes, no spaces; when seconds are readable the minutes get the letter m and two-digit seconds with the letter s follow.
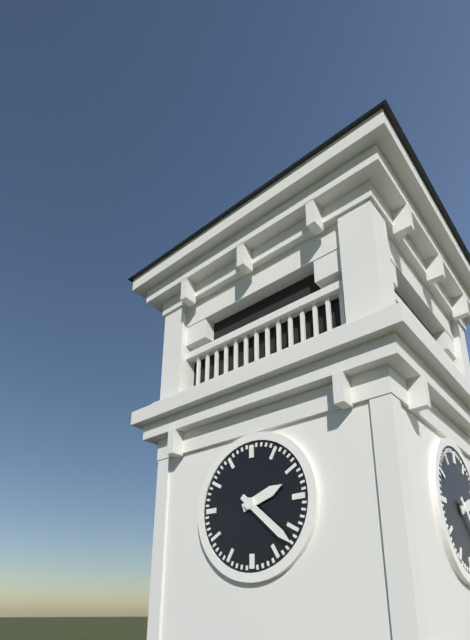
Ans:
2h22
